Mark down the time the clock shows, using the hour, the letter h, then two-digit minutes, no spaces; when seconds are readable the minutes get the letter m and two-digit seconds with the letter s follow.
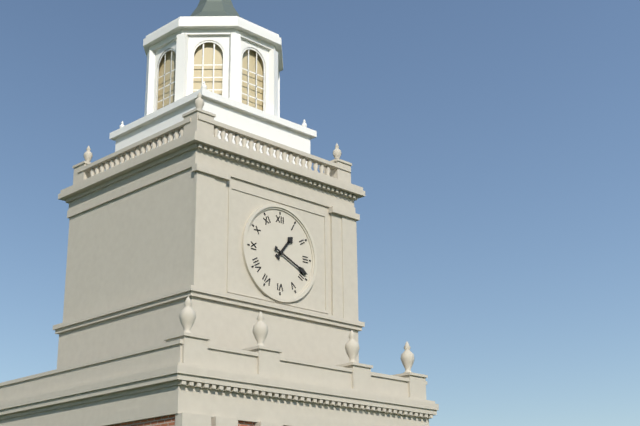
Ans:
1h19
